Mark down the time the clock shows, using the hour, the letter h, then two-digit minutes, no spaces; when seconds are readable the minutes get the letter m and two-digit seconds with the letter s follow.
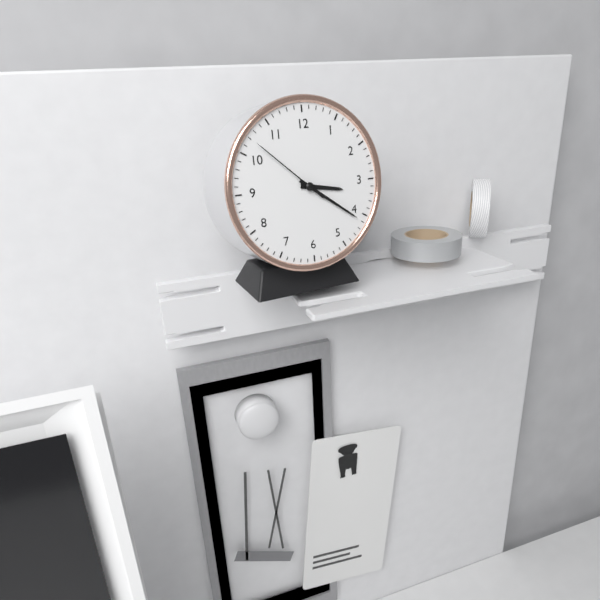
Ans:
3h21m52s
